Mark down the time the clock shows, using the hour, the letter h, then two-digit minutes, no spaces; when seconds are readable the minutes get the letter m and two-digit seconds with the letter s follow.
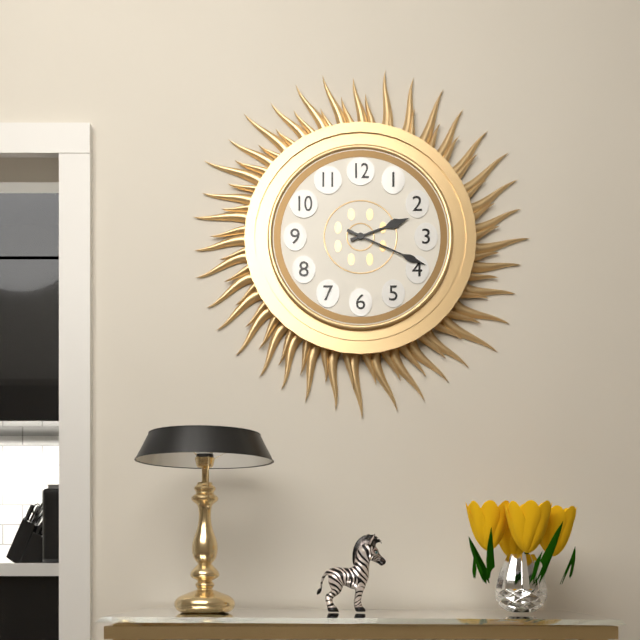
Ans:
2h19
